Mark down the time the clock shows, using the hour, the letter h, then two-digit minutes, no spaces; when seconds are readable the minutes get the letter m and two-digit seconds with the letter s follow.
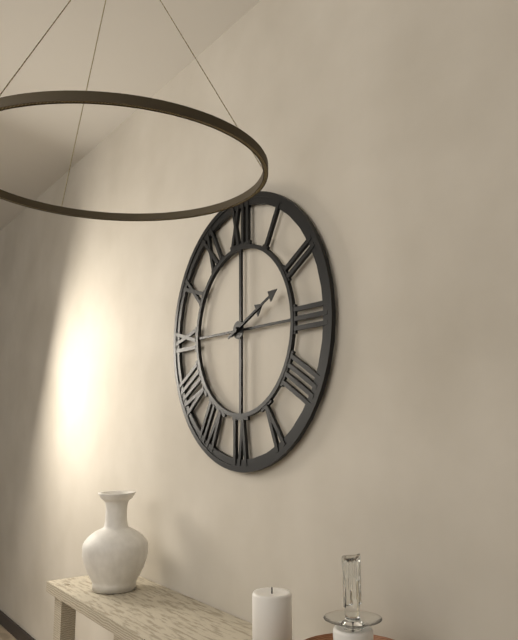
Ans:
2h11
